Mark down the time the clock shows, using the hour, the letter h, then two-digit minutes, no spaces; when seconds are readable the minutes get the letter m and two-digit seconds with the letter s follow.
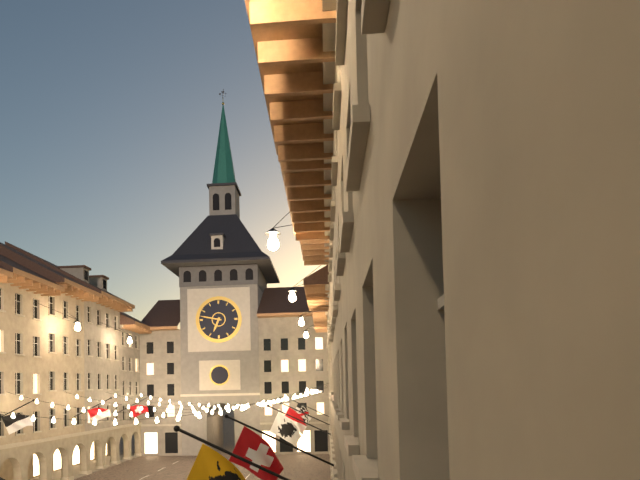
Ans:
6h47
